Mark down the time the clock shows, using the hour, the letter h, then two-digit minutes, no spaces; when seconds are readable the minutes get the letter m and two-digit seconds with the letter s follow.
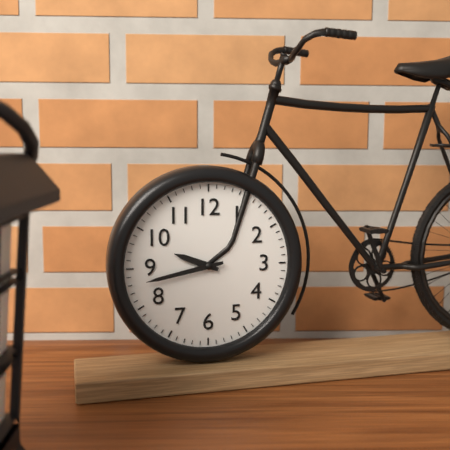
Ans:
9h43
